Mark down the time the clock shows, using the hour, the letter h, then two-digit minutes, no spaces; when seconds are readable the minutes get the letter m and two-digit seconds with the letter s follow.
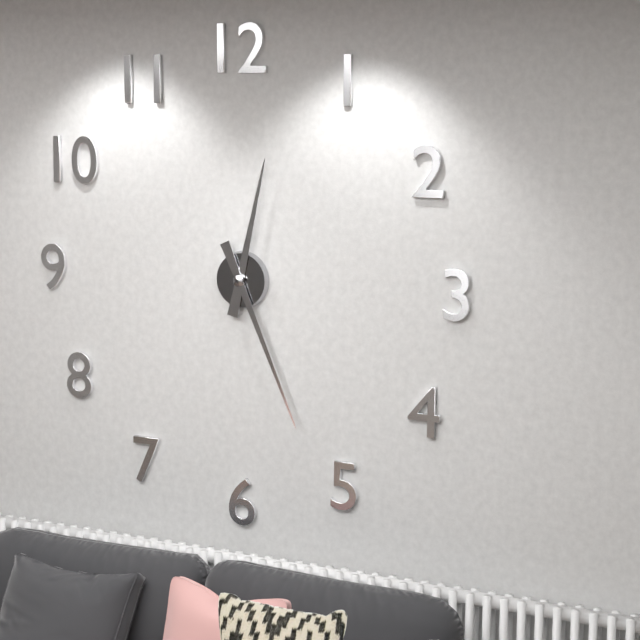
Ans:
12h26
